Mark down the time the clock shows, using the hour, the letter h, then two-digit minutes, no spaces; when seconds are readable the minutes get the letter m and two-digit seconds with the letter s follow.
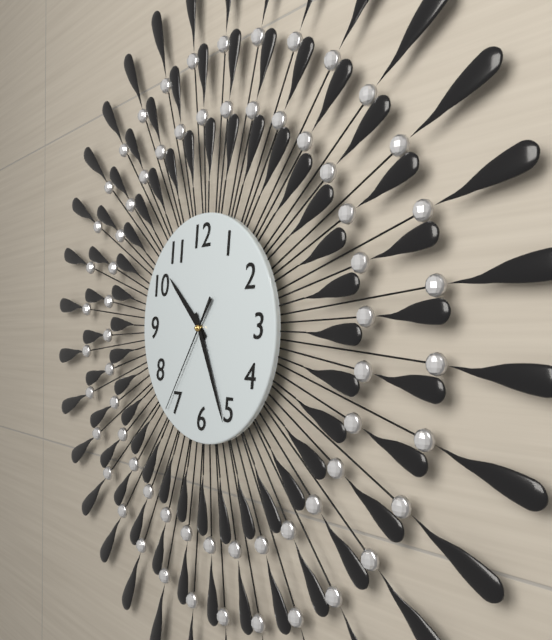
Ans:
10h26m36s
